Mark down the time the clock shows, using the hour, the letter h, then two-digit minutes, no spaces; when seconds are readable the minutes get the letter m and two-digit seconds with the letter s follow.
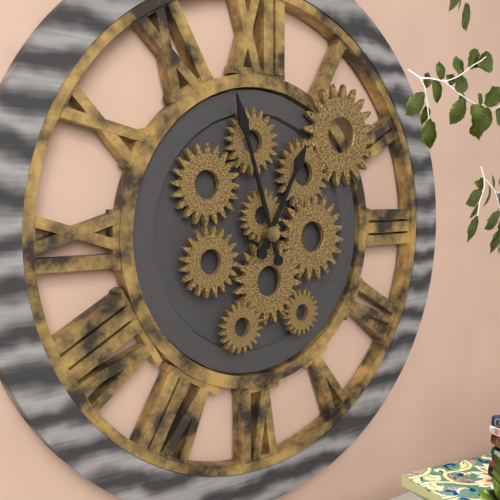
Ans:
12h57
